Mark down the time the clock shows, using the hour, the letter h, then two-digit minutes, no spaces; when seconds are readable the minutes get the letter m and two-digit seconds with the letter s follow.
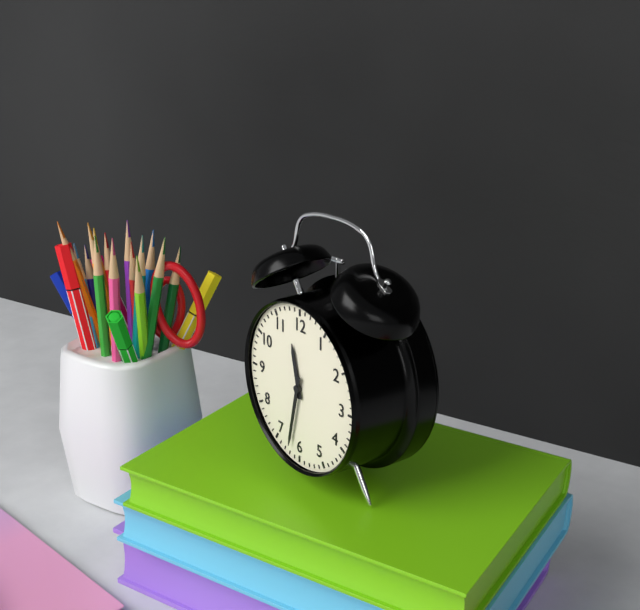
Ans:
11h32
